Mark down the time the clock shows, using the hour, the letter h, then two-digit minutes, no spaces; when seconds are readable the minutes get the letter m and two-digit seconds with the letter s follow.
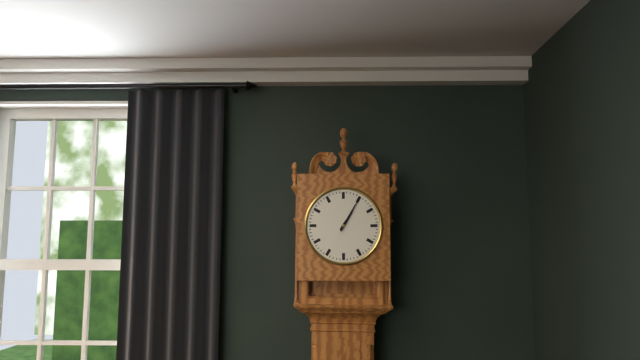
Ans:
1h05
